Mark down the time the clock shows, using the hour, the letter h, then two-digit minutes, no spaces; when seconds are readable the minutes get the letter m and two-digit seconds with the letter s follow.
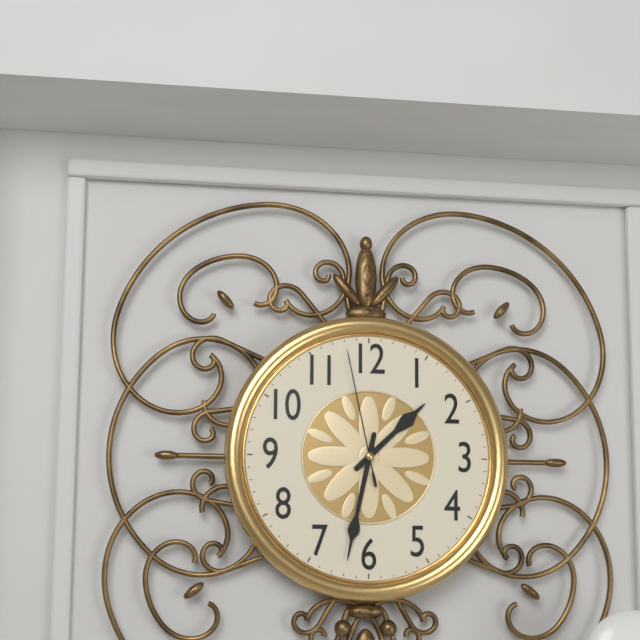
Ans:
1h32m58s
